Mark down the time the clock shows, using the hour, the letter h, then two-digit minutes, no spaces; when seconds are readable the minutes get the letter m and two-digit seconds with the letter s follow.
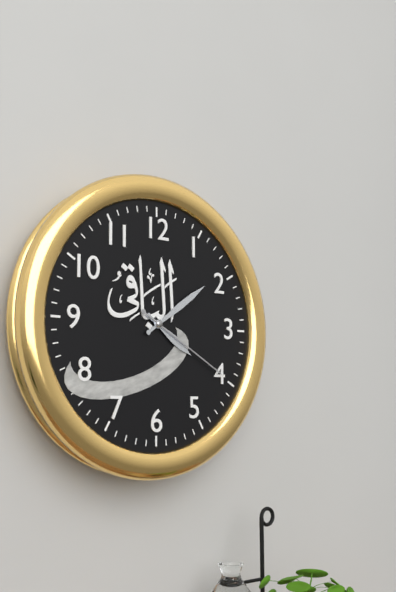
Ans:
4h09m20s
